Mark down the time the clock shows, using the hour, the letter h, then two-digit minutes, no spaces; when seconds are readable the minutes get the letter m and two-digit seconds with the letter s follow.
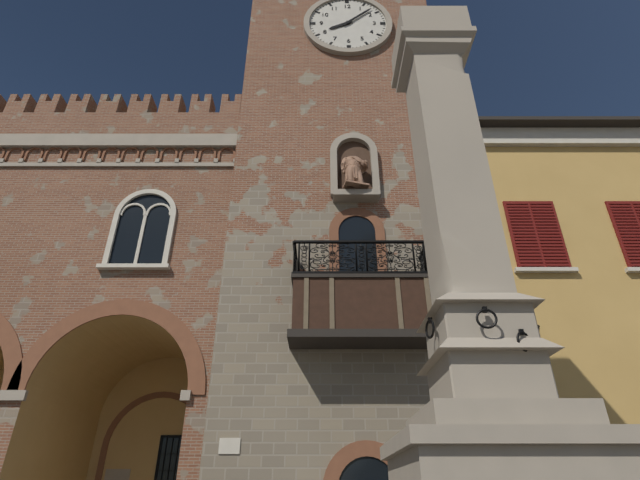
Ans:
8h08
